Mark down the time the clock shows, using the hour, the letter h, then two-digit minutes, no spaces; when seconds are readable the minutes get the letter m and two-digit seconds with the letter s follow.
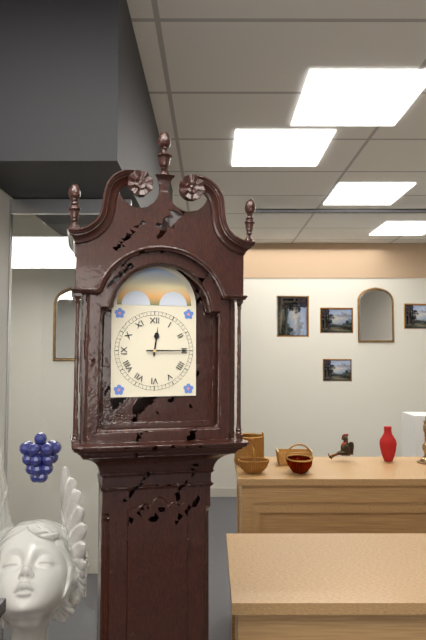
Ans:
12h15
